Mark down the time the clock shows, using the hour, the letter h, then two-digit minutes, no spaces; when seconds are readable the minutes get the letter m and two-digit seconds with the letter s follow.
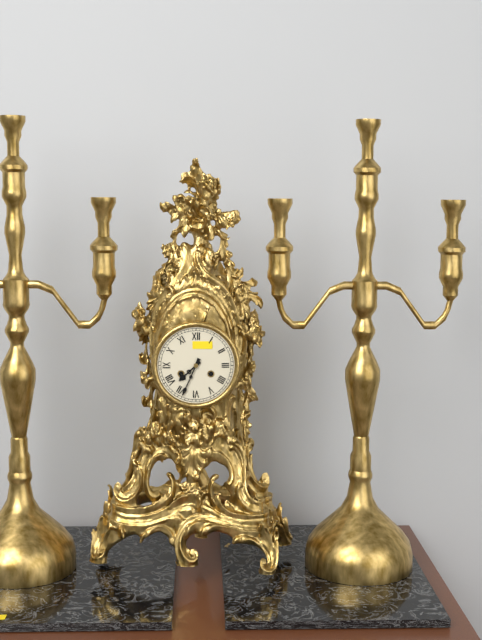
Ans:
7h34
